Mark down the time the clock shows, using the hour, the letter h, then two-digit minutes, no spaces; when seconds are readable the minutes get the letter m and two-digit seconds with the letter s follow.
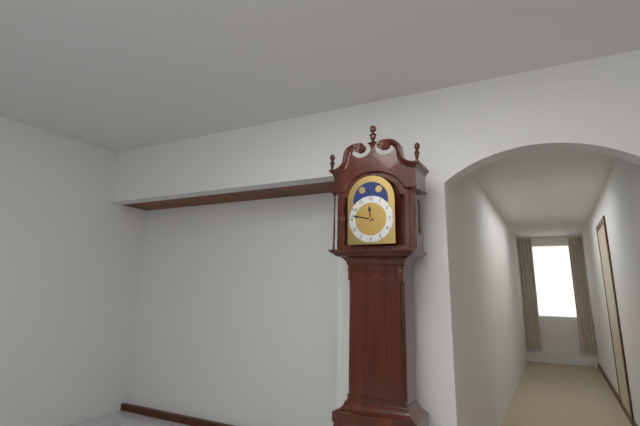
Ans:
11h47
